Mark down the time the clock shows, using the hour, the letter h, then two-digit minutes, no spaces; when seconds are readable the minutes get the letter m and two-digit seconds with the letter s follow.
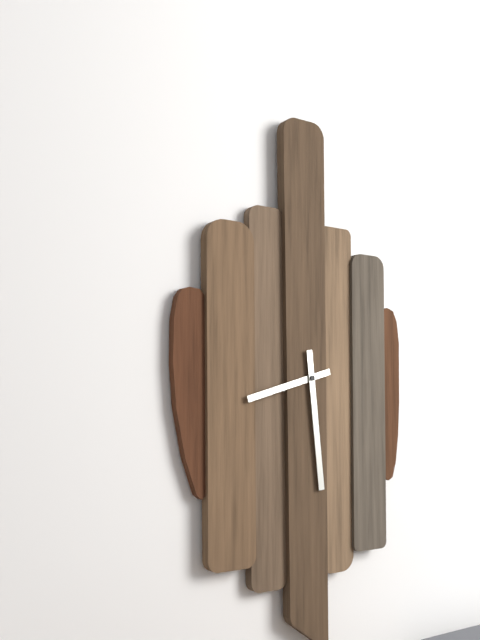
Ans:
8h29
